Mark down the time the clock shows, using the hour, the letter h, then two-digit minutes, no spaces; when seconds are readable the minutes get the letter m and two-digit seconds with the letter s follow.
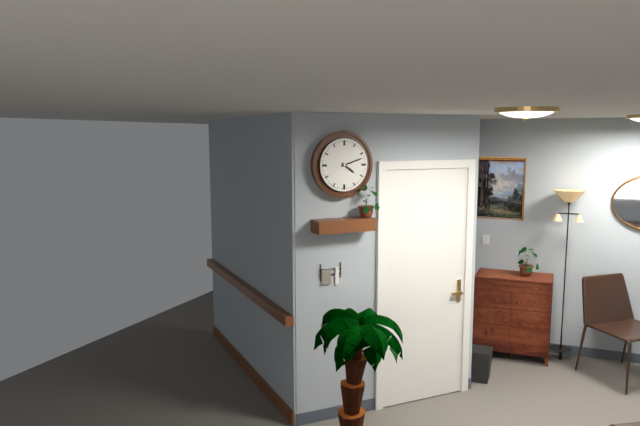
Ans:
4h12
